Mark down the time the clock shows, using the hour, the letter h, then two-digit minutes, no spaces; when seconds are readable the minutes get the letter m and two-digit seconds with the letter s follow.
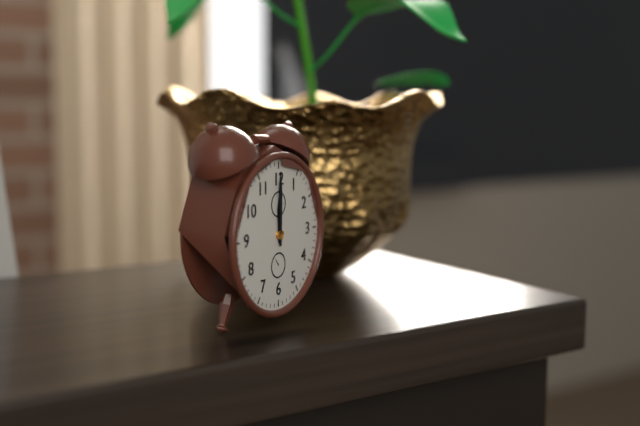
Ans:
12h00
